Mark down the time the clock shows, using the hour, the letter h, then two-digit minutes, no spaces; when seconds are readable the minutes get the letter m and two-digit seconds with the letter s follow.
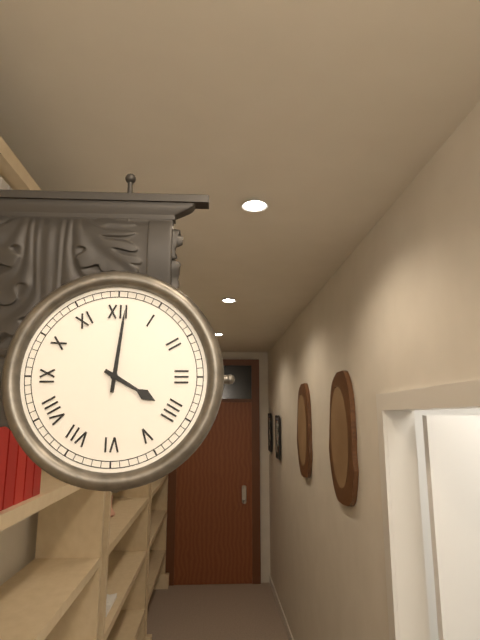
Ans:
4h01
